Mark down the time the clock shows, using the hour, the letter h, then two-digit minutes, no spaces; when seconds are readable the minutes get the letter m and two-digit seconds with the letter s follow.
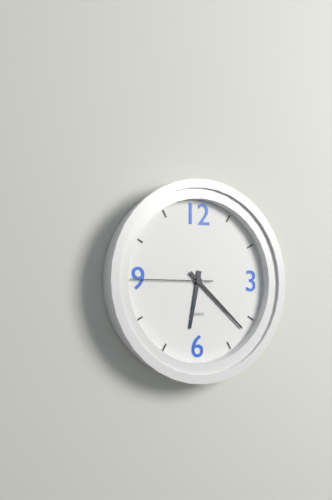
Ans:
6h22m45s
